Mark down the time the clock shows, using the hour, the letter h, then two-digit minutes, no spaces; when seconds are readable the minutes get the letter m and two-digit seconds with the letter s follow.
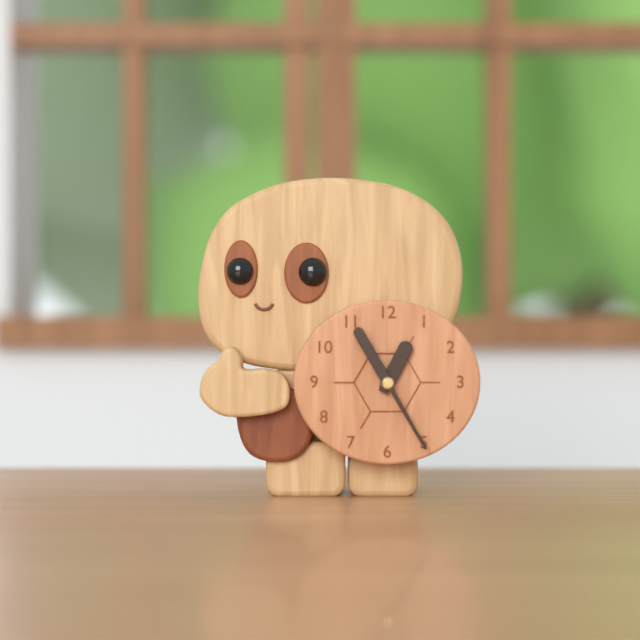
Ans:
12h55
